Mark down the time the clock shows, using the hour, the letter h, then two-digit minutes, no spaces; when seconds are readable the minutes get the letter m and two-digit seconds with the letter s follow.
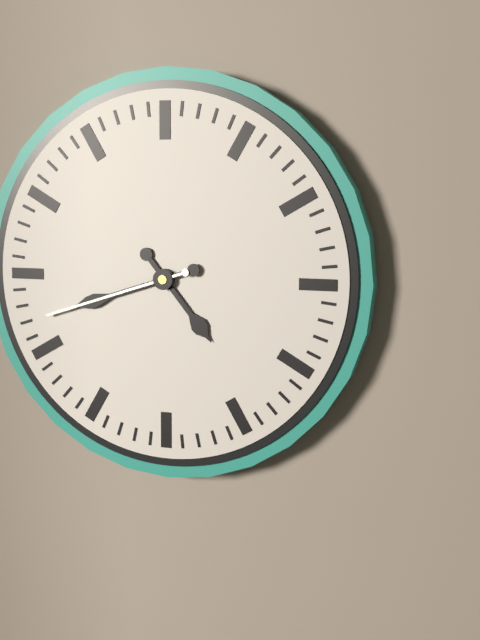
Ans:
4h42m42s
